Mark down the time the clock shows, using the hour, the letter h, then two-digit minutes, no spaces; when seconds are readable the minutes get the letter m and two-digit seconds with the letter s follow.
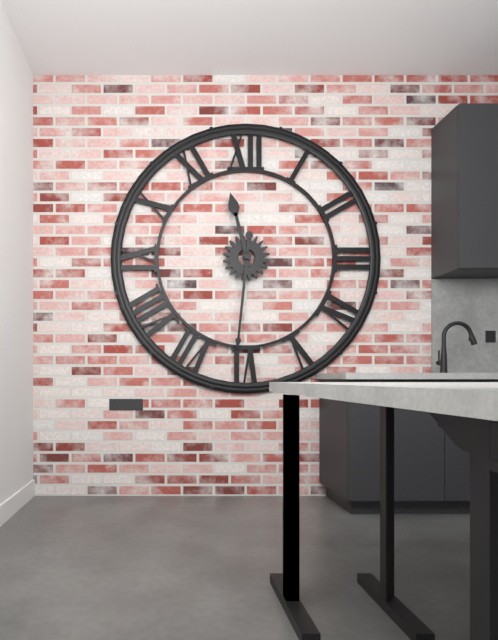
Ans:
11h31
